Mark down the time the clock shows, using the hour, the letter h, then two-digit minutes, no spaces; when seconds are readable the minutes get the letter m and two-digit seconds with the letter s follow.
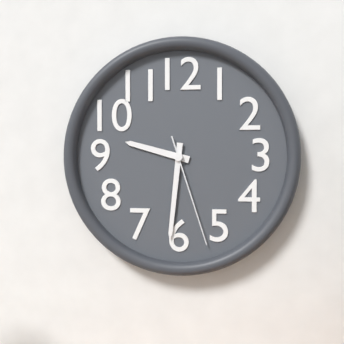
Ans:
9h31m27s
